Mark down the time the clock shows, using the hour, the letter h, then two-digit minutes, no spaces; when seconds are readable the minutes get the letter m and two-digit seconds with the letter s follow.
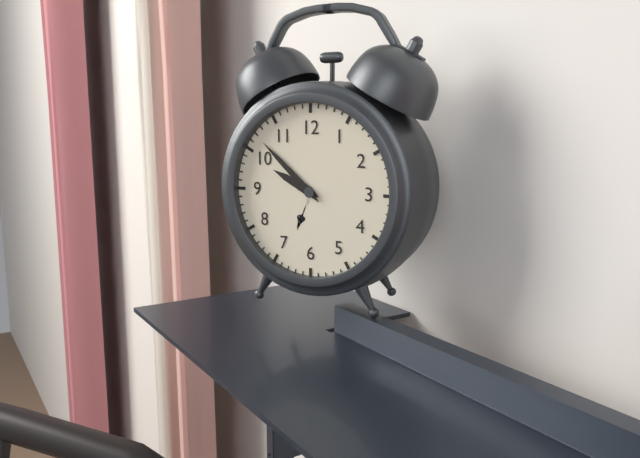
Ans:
9h52
